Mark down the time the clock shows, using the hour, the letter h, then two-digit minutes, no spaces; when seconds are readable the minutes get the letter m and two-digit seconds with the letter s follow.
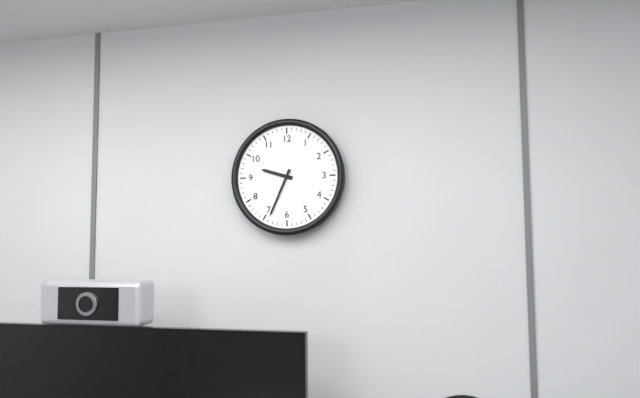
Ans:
9h34
